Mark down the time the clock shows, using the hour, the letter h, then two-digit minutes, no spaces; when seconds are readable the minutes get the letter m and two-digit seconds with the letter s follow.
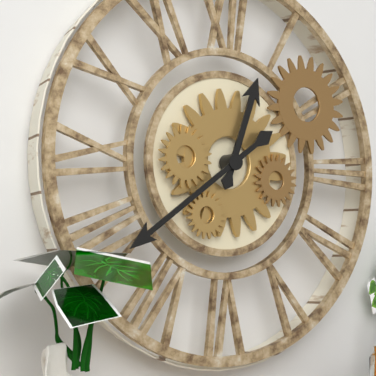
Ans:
12h39
